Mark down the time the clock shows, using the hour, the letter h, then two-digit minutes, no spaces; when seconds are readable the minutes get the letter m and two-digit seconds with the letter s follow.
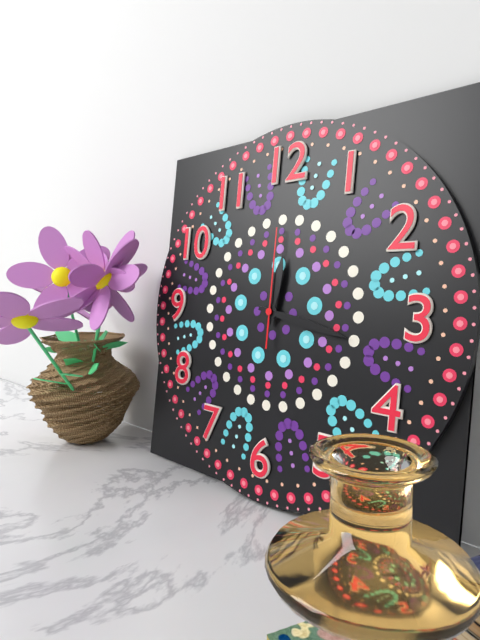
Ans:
12h17m00s
